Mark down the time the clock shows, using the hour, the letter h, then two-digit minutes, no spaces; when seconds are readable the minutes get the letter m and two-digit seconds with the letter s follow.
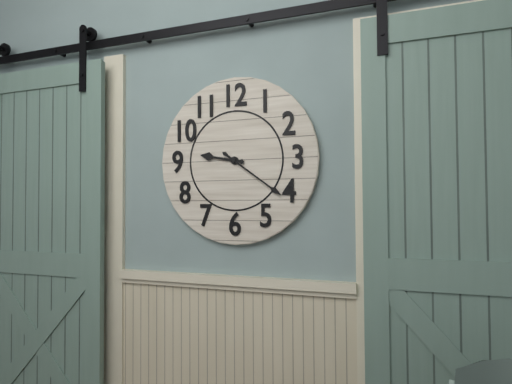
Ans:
9h21
